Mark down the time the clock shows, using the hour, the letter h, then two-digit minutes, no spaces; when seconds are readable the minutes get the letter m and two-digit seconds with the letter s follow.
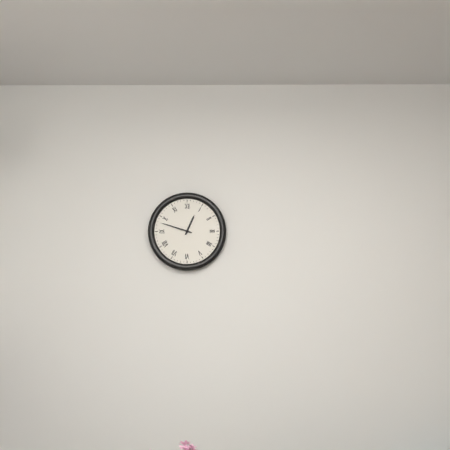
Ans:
12h48
